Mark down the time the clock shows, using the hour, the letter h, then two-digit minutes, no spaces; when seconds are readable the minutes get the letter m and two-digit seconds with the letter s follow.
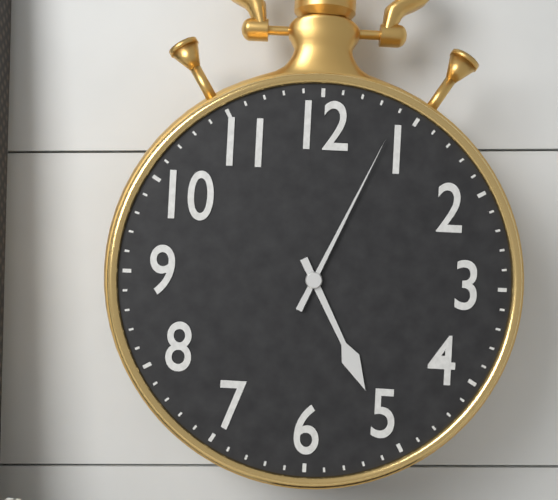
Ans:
5h04
